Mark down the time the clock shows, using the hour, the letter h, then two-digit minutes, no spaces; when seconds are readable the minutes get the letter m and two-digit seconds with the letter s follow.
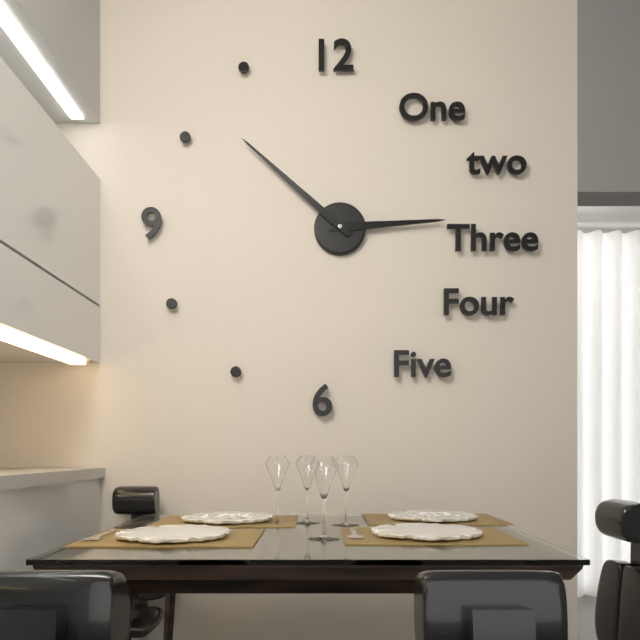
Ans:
2h52
